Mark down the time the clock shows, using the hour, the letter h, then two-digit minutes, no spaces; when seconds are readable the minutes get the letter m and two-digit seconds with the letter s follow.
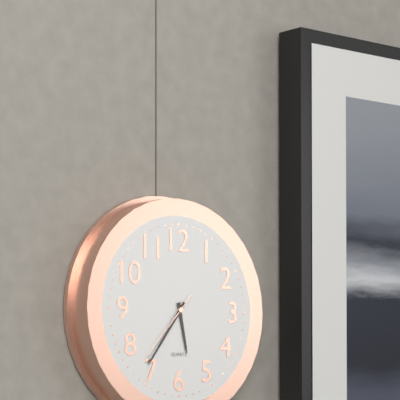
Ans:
5h36m37s
